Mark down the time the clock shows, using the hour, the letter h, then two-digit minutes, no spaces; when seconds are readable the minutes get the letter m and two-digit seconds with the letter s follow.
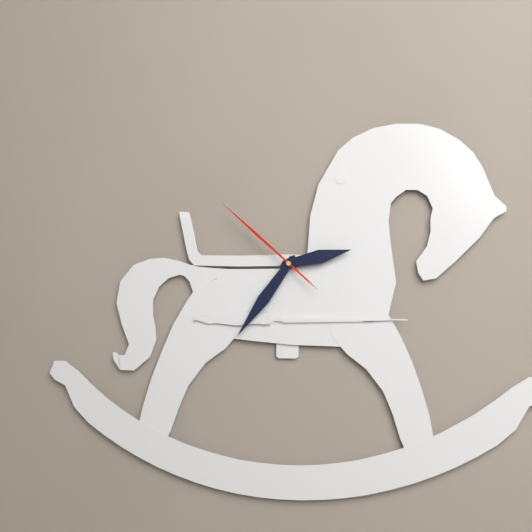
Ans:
2h36m52s
